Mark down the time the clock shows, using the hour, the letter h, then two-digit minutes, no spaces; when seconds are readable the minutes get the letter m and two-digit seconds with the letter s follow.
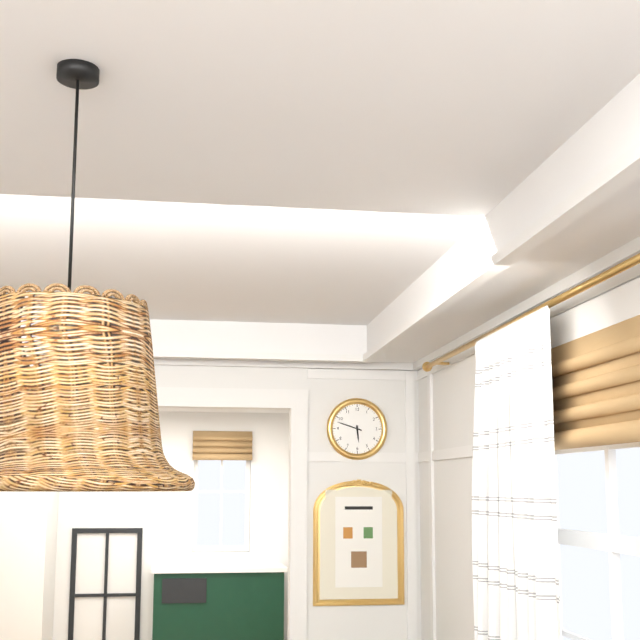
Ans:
5h48
